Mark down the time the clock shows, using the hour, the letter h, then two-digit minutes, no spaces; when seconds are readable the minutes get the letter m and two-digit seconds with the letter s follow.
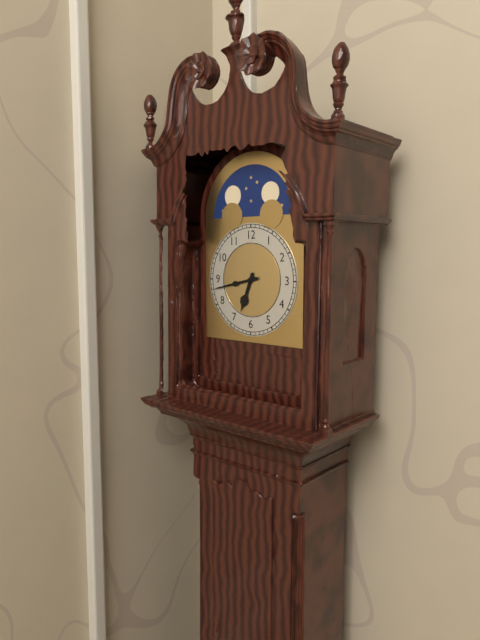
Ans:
6h43
